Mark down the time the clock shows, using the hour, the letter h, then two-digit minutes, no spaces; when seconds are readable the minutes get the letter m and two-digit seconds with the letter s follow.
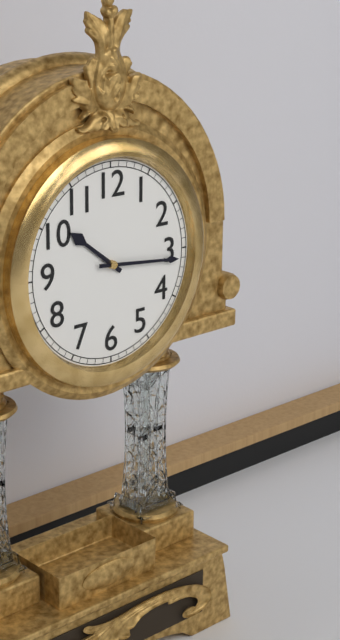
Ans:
10h16
